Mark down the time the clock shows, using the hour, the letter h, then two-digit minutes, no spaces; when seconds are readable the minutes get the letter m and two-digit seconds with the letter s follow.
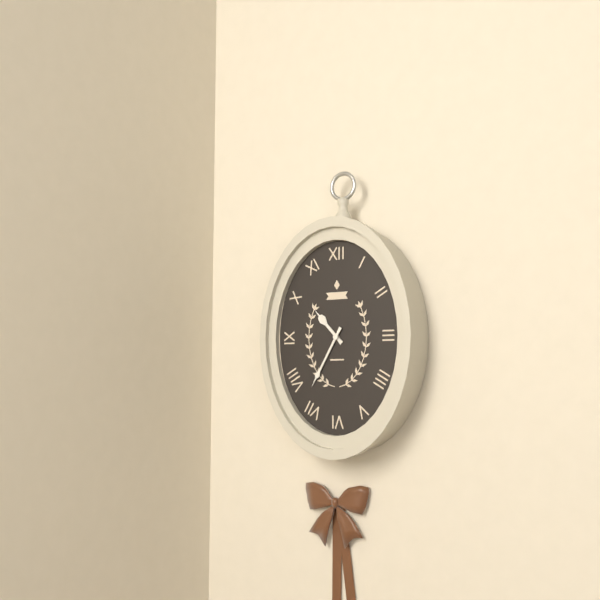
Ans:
10h35
